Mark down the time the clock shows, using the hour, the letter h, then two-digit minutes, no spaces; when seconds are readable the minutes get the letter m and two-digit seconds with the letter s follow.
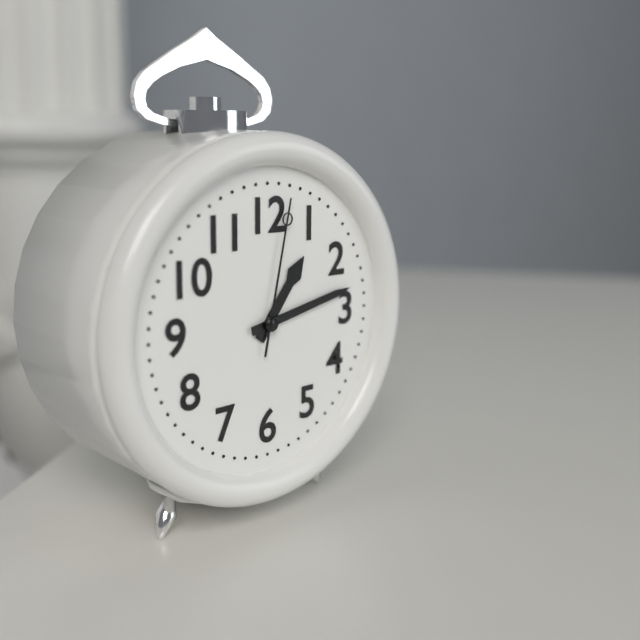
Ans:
1h13m02s
